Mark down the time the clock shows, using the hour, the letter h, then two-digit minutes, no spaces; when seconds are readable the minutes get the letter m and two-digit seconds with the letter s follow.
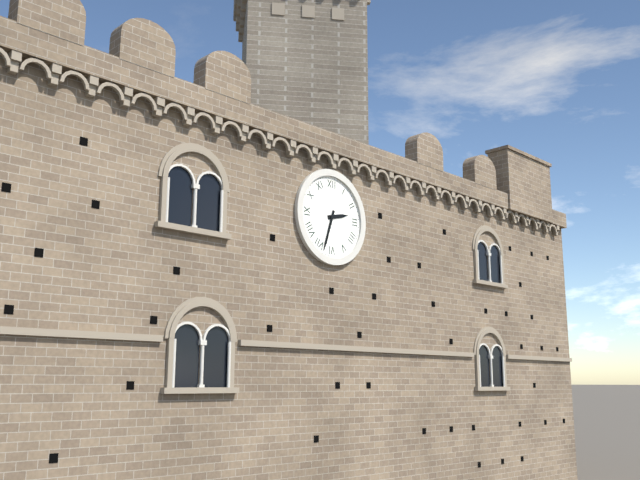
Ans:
2h33
